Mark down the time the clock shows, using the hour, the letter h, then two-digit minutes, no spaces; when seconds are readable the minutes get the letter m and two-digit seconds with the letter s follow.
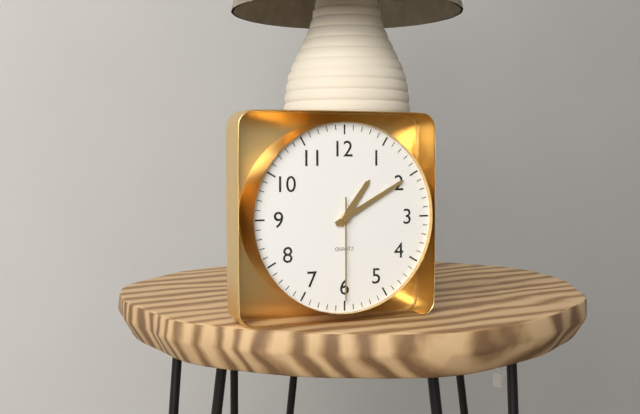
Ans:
1h10m30s
